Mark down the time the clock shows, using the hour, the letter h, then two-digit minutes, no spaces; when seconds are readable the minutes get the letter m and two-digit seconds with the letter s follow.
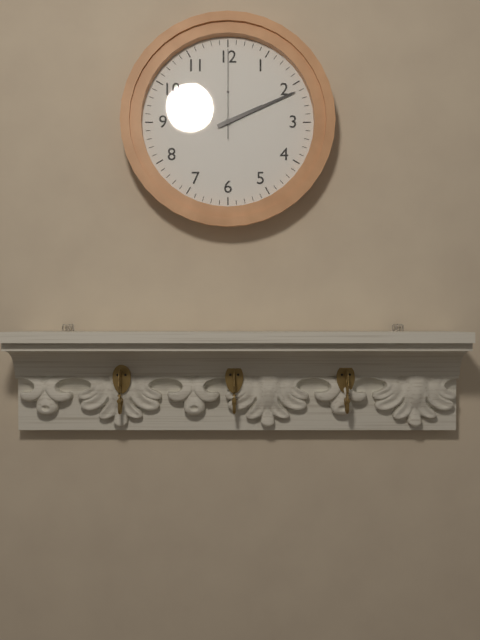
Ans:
2h11m00s
